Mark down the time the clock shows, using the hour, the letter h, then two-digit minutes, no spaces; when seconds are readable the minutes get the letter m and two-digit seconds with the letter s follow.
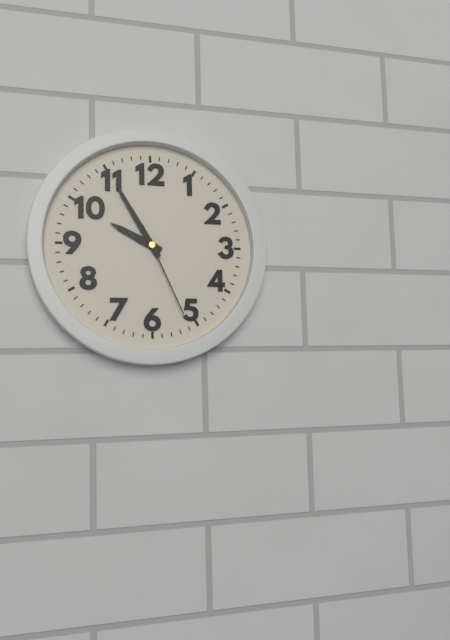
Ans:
9h55m26s
